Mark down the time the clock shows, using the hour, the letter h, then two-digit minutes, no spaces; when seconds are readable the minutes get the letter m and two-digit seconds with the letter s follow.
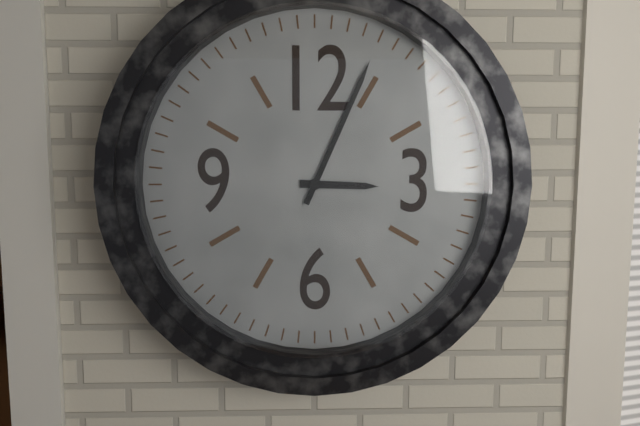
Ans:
3h04
